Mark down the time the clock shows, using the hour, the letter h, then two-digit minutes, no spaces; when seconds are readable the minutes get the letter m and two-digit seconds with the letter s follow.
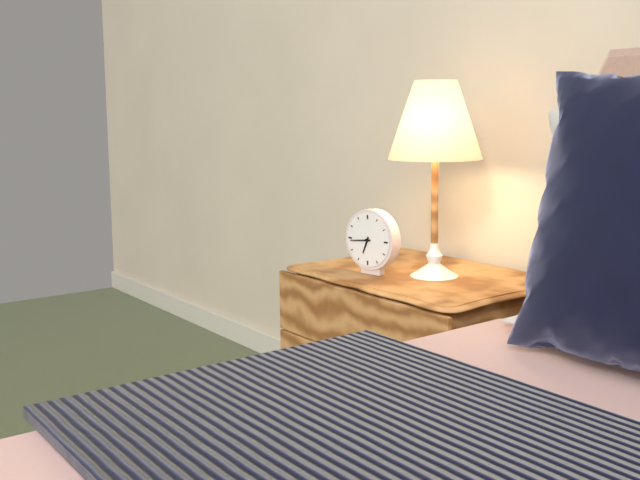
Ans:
6h44
